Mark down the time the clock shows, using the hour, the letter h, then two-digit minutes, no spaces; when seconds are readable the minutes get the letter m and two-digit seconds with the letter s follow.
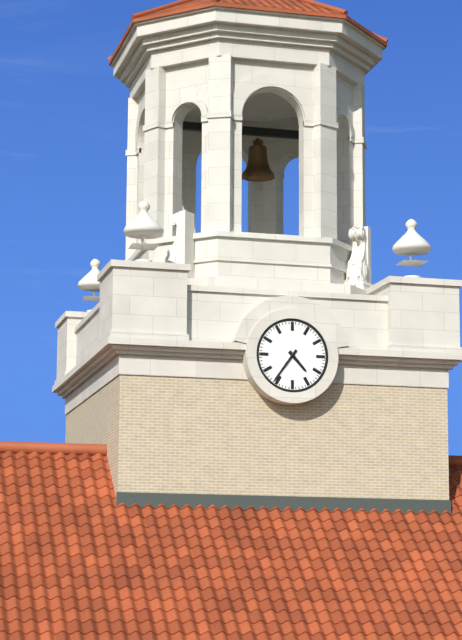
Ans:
4h36
